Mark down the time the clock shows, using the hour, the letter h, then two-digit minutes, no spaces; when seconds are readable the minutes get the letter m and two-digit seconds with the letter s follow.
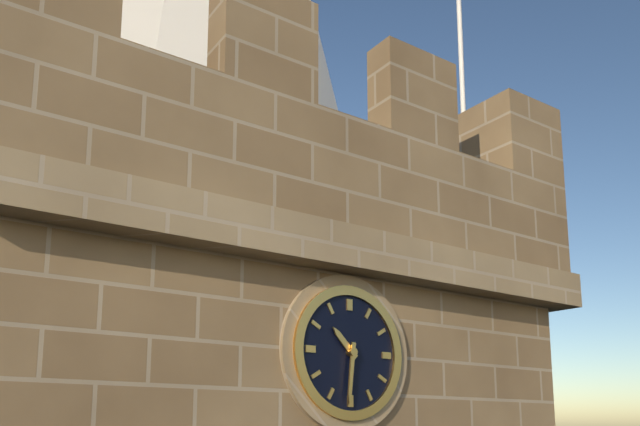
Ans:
10h31
